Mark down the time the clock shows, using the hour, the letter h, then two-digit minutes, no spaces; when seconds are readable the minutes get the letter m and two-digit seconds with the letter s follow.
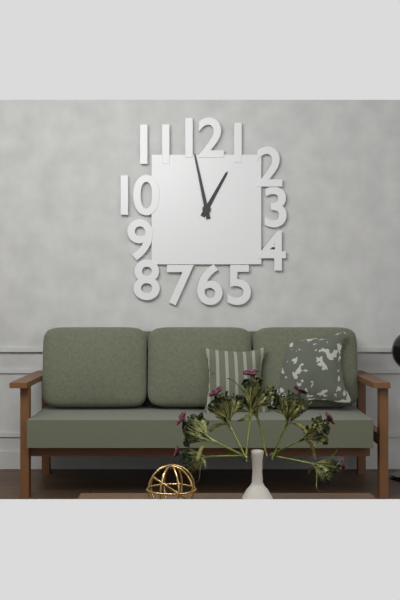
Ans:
12h58
